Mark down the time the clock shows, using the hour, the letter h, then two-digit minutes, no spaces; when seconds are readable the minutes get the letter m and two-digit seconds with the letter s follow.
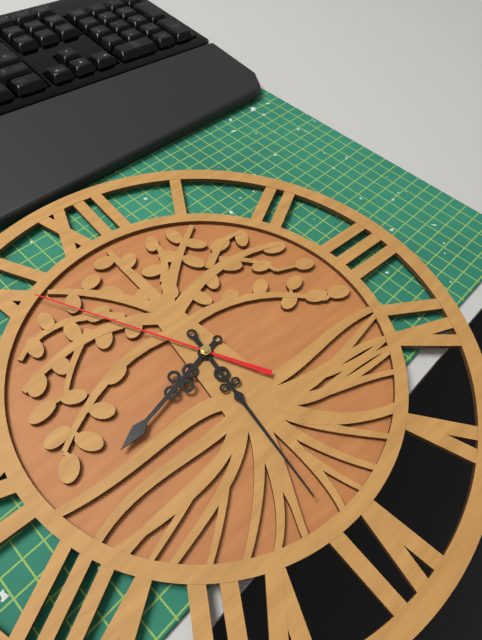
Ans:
8h31m55s
